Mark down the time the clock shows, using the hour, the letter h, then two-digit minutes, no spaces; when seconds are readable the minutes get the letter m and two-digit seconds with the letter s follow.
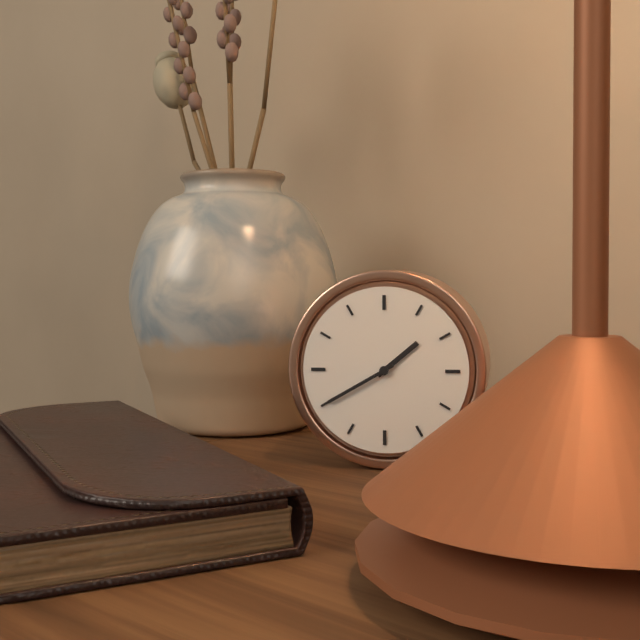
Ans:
1h40
